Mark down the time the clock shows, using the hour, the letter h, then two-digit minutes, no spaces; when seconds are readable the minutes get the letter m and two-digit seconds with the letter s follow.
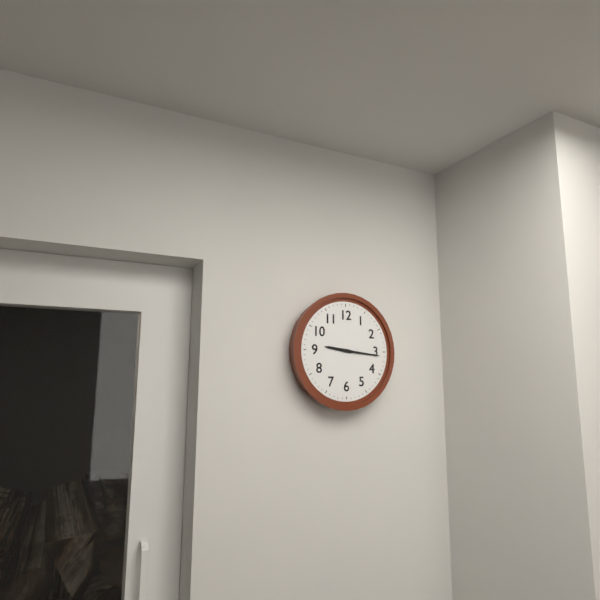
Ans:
9h16
